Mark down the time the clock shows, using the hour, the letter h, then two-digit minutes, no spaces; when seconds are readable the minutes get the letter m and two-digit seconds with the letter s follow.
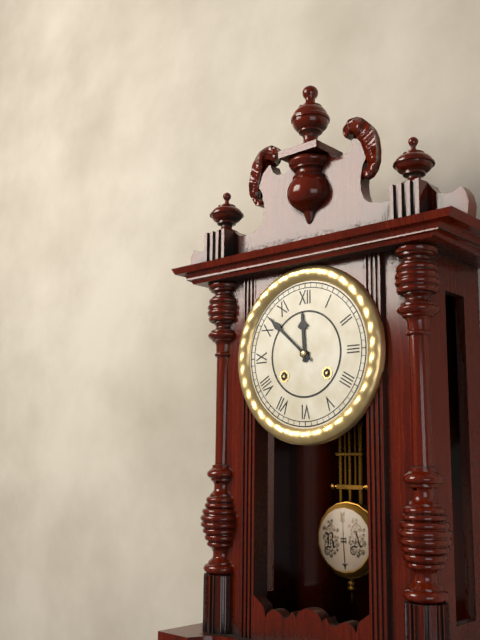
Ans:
11h52
